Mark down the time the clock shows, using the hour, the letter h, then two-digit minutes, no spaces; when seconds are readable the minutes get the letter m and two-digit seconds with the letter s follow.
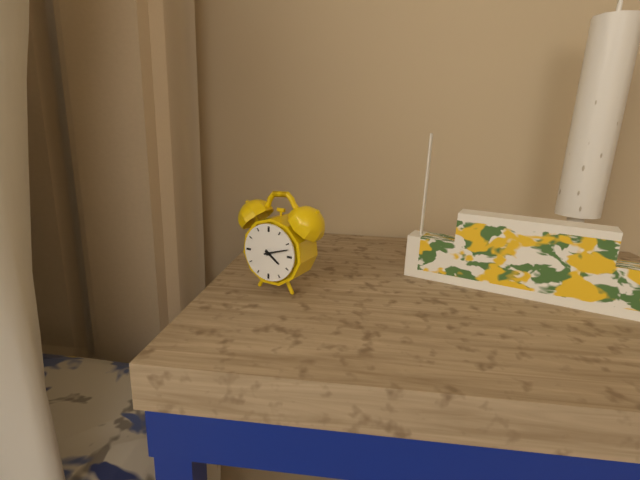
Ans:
4h12
